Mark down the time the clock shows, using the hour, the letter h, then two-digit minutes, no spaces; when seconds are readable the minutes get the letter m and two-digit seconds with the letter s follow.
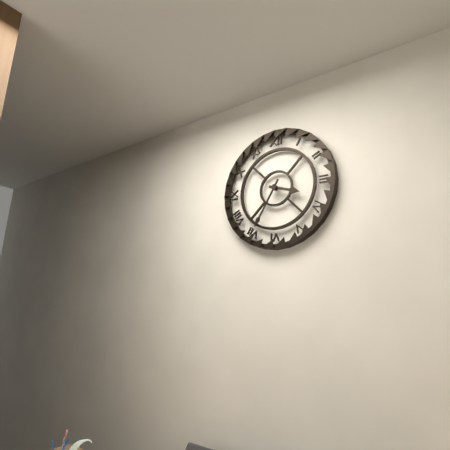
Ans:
3h35
